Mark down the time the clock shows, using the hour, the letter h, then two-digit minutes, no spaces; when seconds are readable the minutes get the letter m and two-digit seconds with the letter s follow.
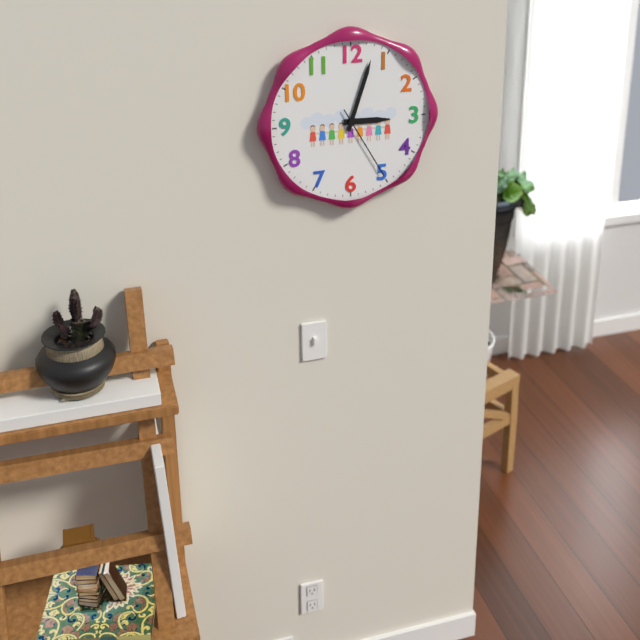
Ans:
3h03m25s
